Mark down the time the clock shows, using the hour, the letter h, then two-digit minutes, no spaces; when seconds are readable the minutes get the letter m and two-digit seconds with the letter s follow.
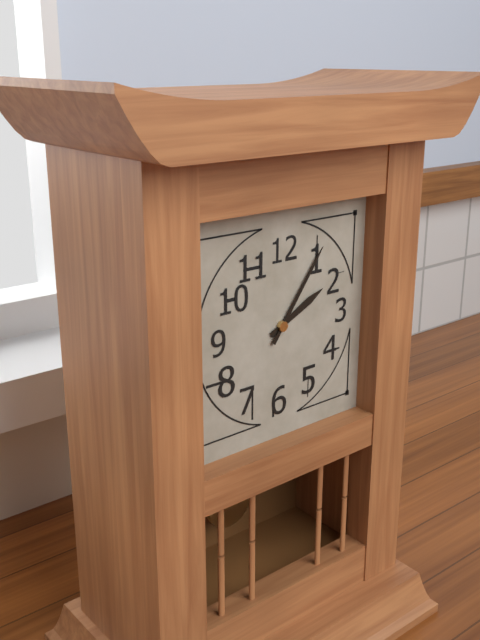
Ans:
2h06
